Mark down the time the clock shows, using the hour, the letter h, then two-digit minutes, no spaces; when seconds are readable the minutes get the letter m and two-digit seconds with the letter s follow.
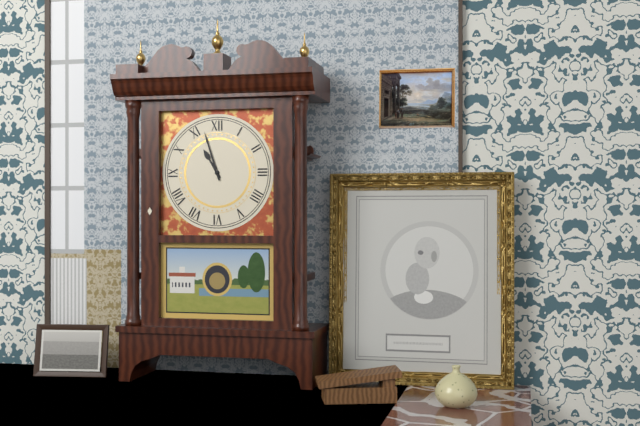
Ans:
10h57
